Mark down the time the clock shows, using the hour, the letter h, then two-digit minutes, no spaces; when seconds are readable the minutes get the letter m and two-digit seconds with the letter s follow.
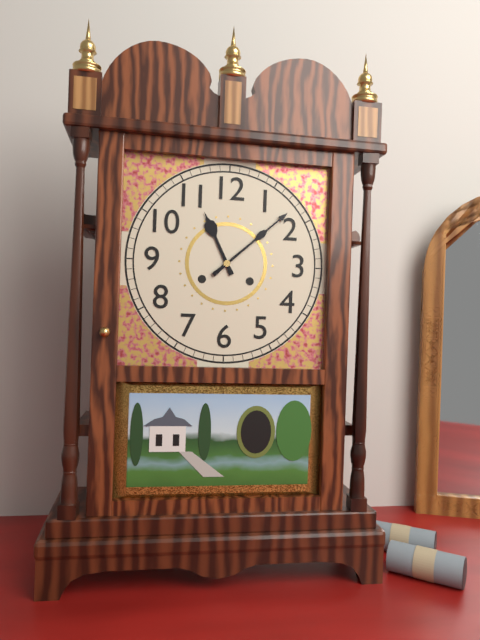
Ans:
11h08
